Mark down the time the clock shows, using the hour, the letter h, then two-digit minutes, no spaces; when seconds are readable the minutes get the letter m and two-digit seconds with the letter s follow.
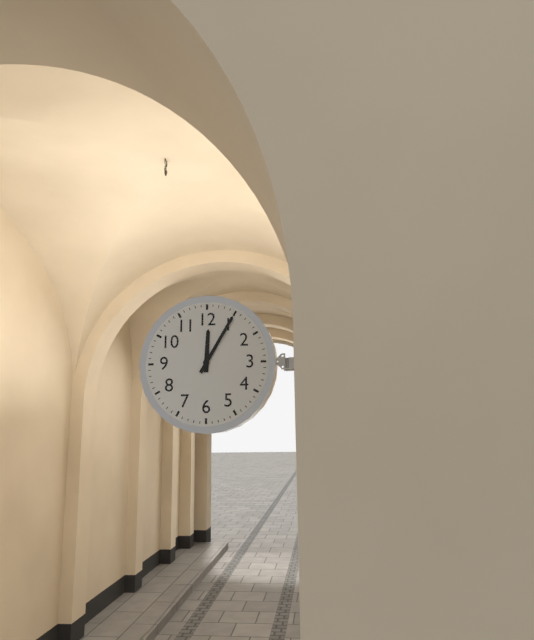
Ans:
12h05
